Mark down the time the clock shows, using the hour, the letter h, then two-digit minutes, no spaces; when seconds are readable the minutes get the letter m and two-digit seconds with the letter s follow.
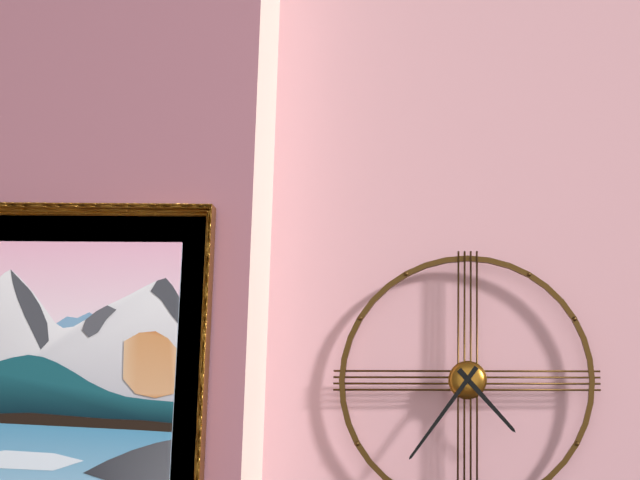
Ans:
4h36
